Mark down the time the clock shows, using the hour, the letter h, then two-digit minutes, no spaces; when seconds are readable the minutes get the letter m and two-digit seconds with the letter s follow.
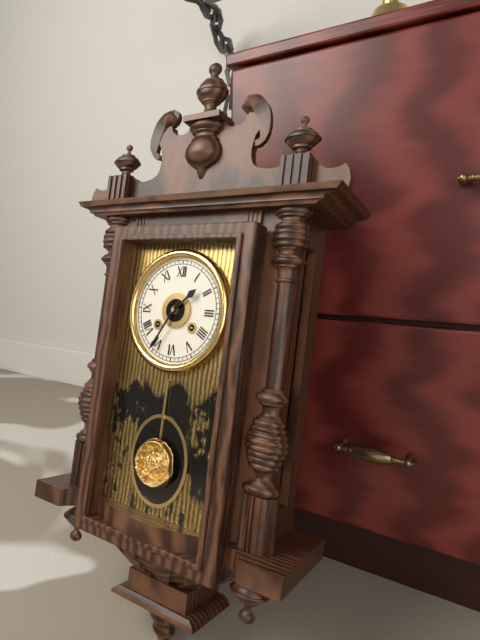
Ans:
1h35
